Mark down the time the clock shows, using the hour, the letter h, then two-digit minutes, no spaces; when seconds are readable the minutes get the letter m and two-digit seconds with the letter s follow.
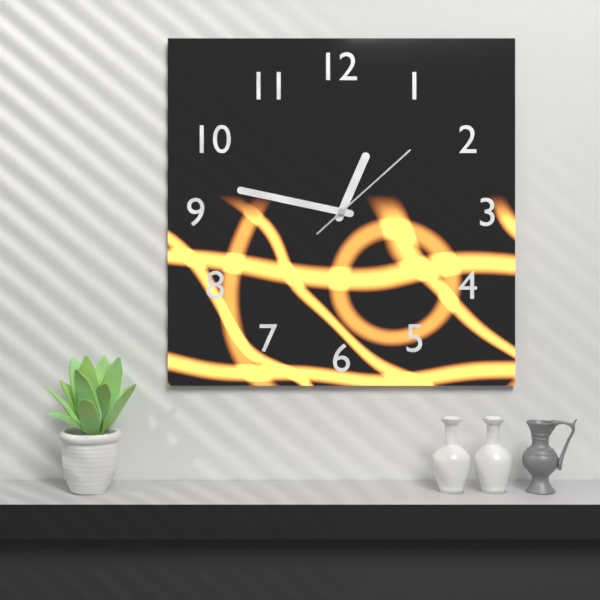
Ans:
12h47m08s
